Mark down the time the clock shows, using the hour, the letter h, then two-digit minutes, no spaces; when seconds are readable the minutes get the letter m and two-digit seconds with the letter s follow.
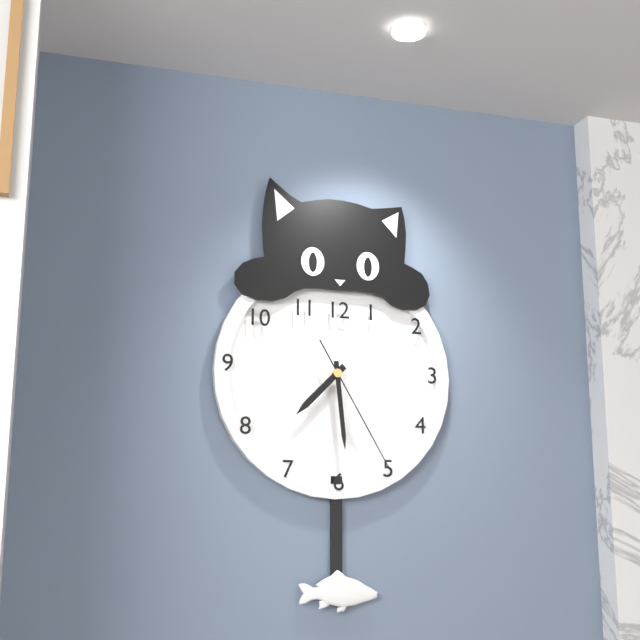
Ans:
7h29m25s
